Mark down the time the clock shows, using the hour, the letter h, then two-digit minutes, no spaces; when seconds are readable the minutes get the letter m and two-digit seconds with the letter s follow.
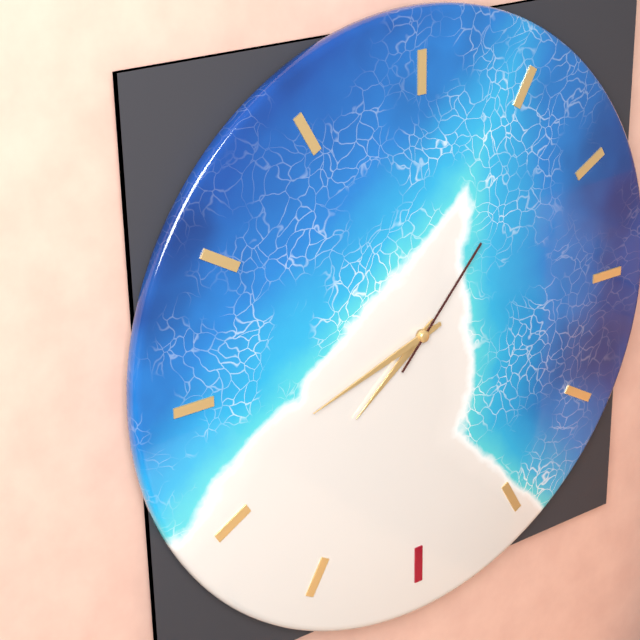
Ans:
7h42m07s
